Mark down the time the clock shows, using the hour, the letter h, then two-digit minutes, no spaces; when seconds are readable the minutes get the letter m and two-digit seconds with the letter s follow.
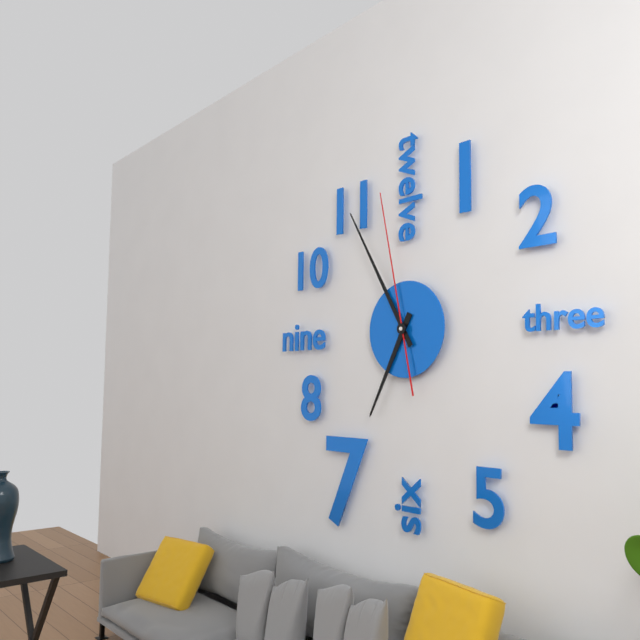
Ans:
6h55m58s
